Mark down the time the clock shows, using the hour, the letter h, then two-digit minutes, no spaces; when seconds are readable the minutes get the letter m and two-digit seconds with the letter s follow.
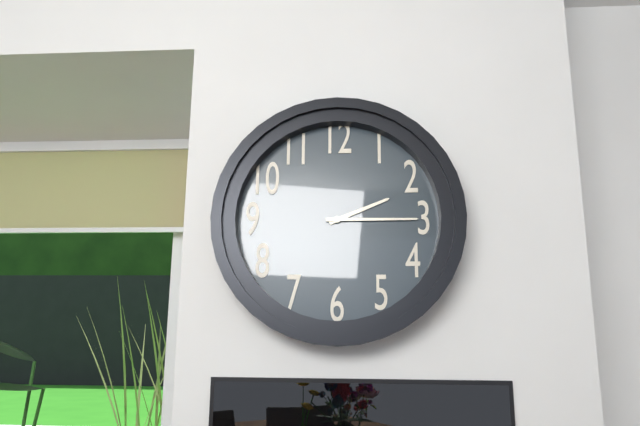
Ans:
2h15
